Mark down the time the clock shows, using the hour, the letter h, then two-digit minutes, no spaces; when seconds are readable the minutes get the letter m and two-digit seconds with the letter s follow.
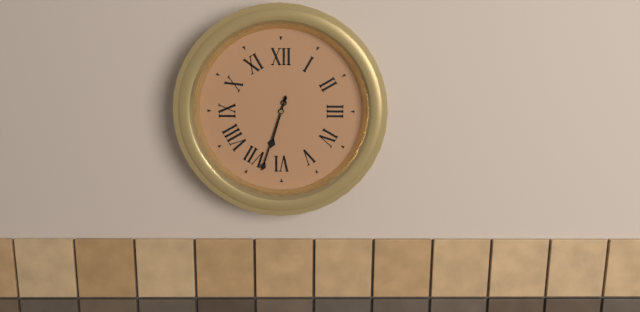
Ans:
6h33
